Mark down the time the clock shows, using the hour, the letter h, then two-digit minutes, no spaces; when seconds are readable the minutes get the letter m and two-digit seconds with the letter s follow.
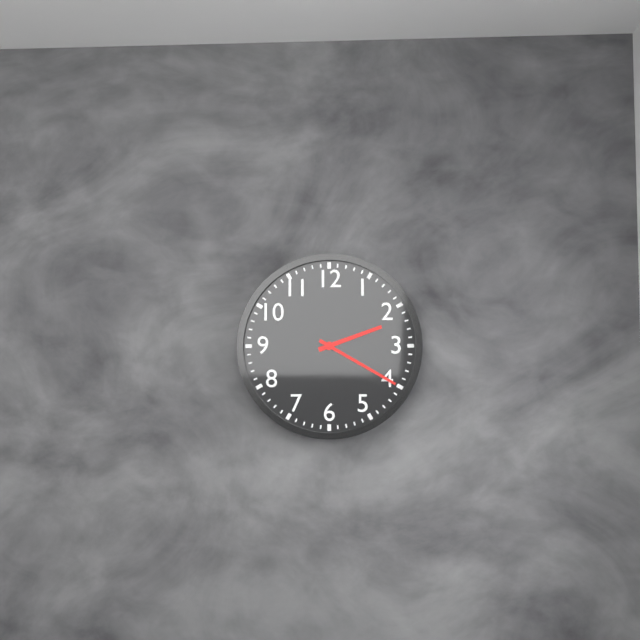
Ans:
2h20
